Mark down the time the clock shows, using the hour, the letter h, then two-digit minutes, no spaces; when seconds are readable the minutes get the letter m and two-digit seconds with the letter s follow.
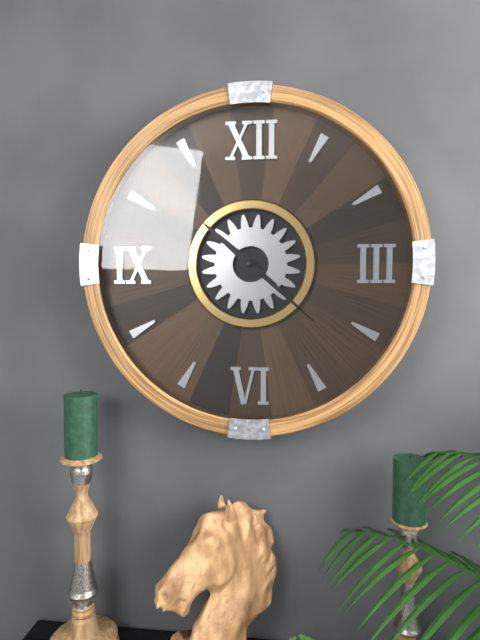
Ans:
10h22
